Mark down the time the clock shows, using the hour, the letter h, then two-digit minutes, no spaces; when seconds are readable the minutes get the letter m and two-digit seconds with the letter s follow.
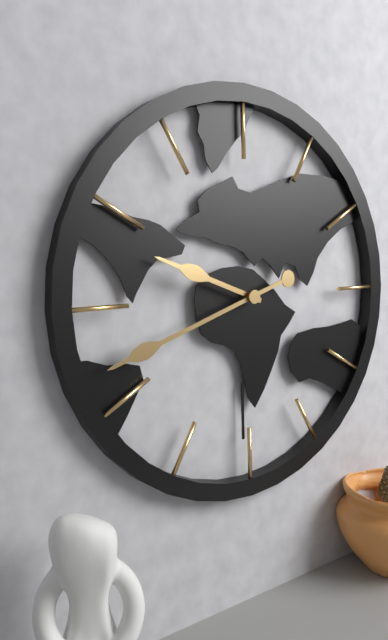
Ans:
9h42
